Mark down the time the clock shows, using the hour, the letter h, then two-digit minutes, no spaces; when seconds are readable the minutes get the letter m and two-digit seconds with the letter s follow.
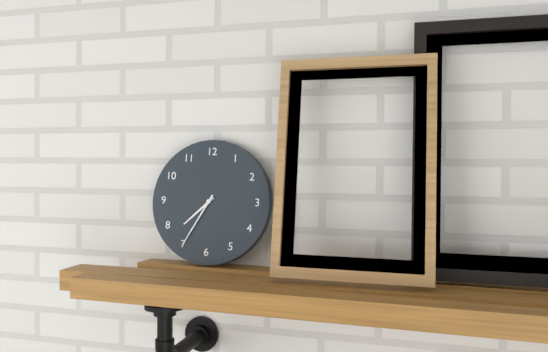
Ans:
7h35
